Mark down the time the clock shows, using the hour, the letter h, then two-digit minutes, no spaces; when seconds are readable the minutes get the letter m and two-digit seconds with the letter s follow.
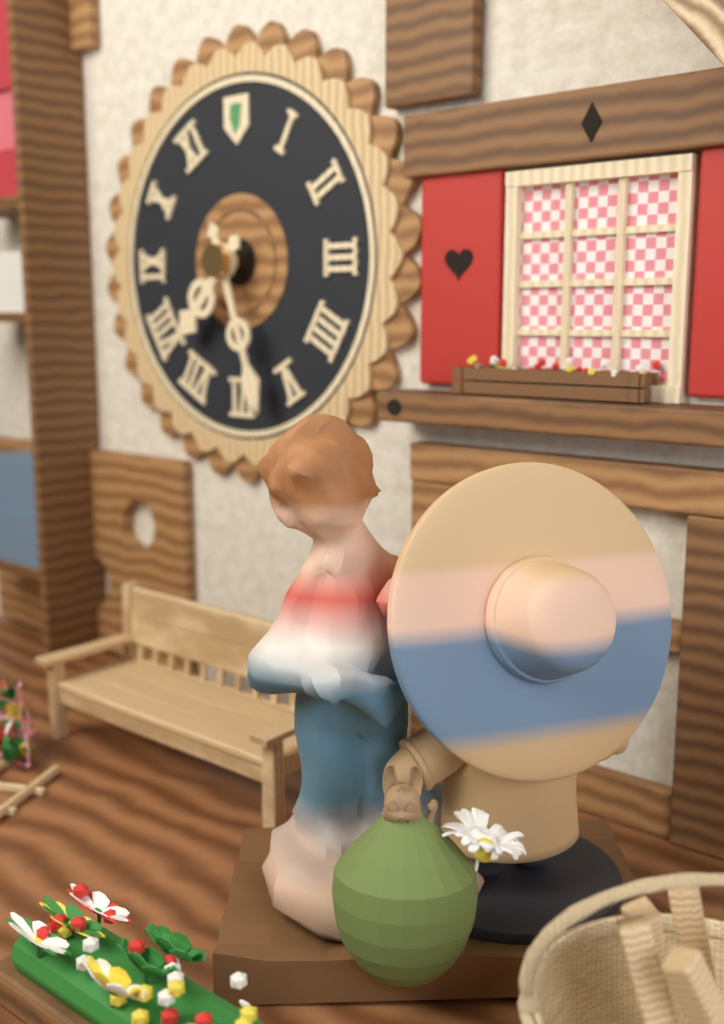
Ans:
7h27
